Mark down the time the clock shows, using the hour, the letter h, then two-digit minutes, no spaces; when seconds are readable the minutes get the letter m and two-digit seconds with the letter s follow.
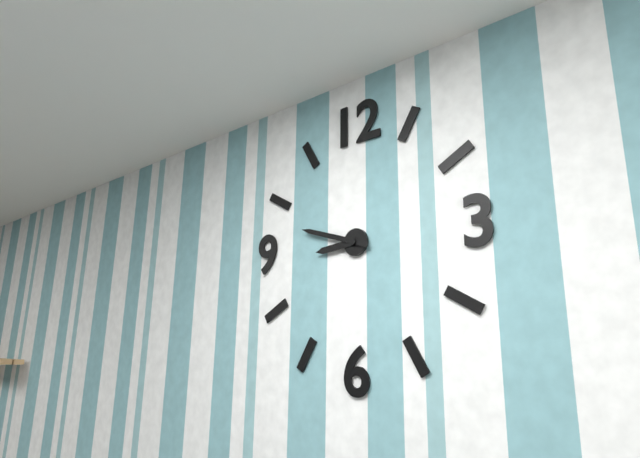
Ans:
8h48
